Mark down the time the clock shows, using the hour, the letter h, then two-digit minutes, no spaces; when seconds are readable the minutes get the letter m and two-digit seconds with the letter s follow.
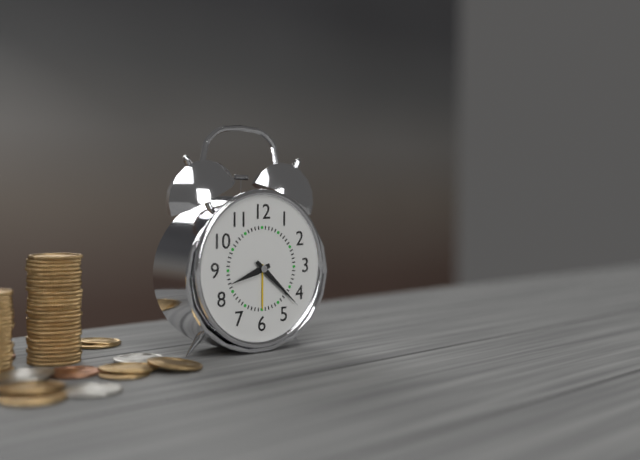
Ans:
8h22
